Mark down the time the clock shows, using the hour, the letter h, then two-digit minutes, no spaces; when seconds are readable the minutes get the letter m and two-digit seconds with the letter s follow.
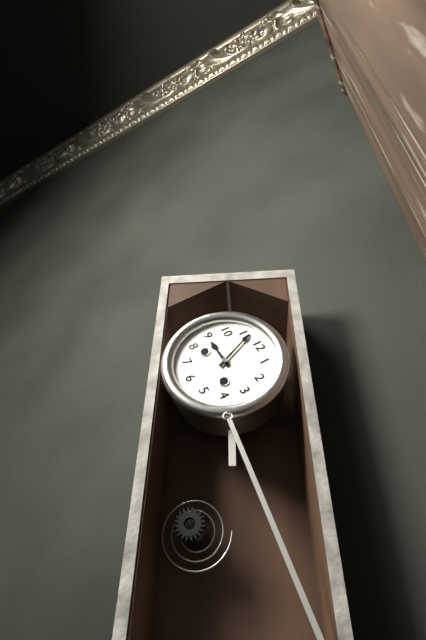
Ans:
8h56
